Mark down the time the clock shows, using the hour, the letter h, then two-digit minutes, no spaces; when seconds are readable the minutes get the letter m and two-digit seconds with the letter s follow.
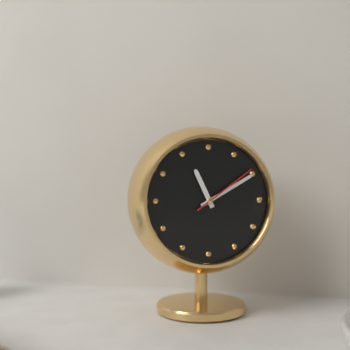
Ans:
11h10m09s
